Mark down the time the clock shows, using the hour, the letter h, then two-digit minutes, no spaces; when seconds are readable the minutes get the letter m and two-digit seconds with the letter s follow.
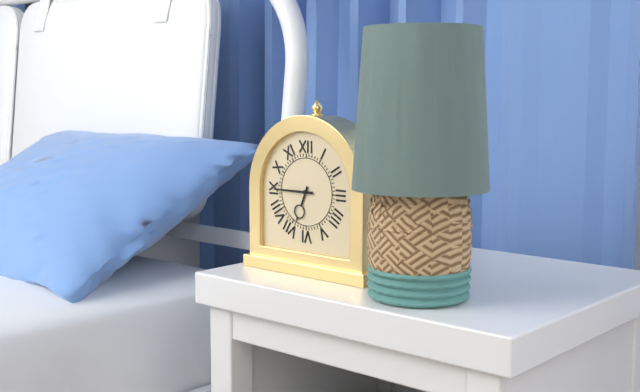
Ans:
6h45
